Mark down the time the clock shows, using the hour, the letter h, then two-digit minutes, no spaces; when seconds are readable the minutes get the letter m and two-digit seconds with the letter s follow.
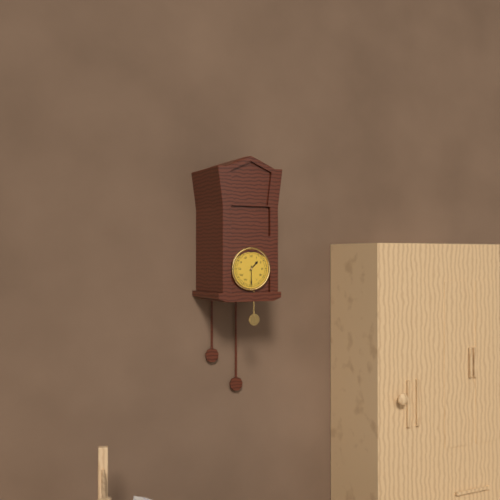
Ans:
1h30
